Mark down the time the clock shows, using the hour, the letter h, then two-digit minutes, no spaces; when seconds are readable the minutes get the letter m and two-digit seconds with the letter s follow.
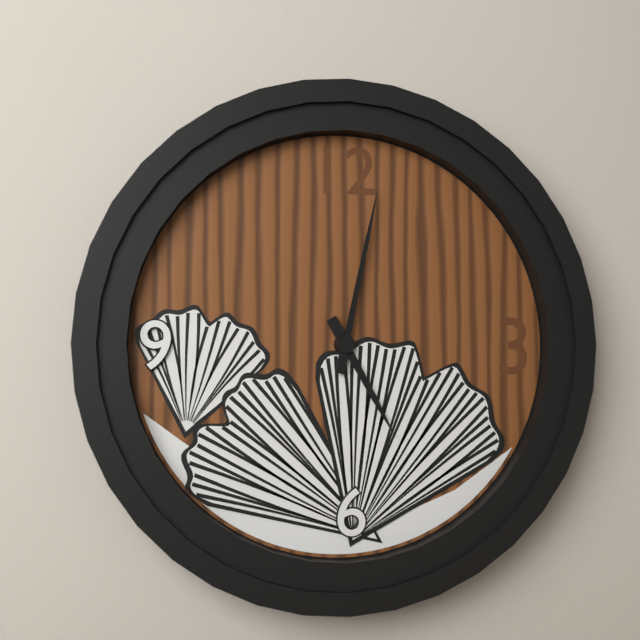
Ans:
5h02
